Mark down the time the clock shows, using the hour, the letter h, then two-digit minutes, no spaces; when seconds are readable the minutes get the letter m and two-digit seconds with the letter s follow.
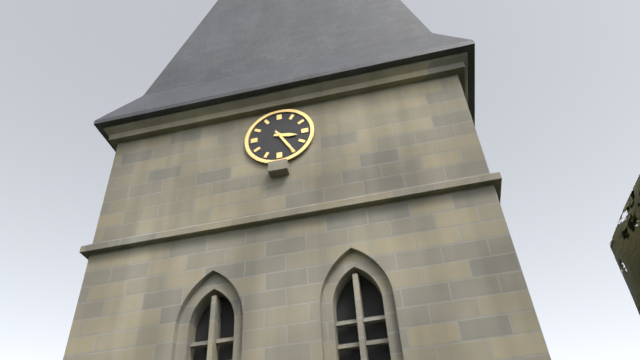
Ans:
3h25
